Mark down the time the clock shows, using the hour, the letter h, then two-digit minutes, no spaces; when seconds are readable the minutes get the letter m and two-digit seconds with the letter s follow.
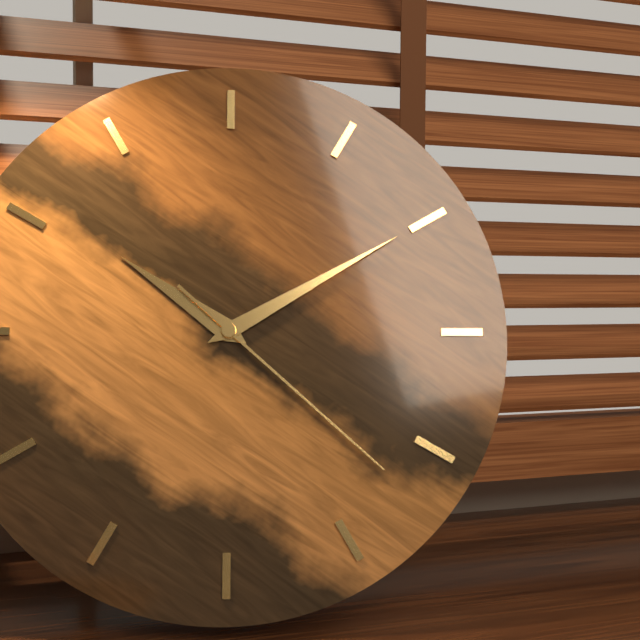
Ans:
10h10m22s
